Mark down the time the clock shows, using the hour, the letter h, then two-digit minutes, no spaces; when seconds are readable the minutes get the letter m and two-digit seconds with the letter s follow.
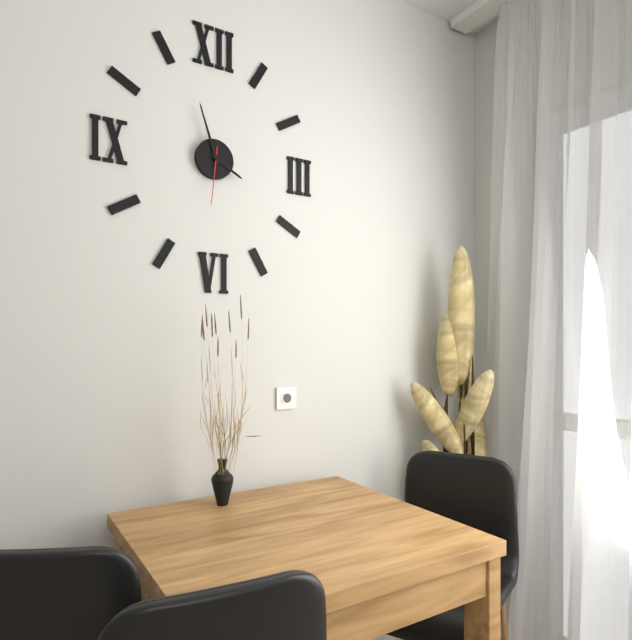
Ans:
3h57m31s
